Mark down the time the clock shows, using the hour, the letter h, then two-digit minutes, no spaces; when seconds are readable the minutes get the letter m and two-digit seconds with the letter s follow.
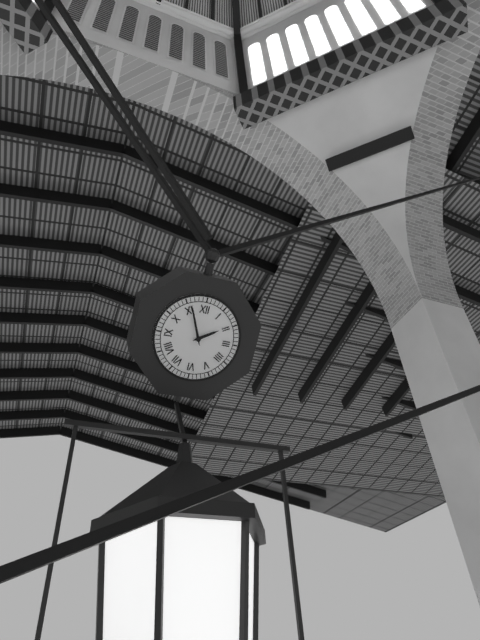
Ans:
1h56
